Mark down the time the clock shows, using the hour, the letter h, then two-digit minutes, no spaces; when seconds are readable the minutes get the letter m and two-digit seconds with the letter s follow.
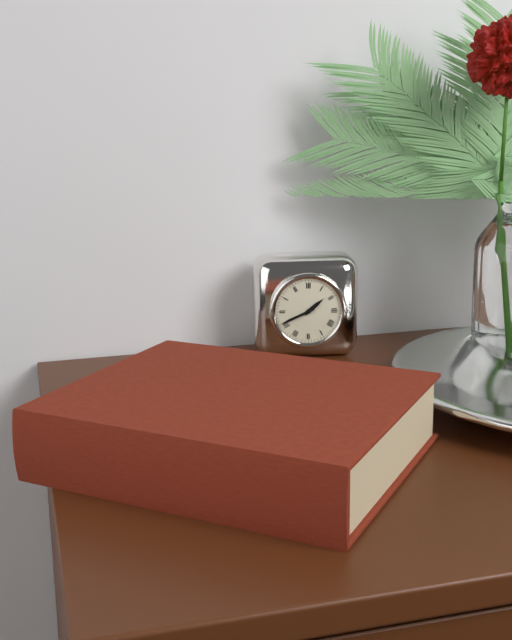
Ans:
1h41
